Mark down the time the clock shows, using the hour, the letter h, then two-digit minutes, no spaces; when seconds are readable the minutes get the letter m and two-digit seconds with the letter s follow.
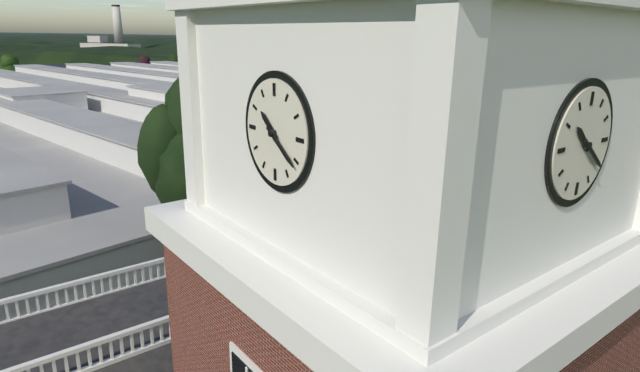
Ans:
10h21
